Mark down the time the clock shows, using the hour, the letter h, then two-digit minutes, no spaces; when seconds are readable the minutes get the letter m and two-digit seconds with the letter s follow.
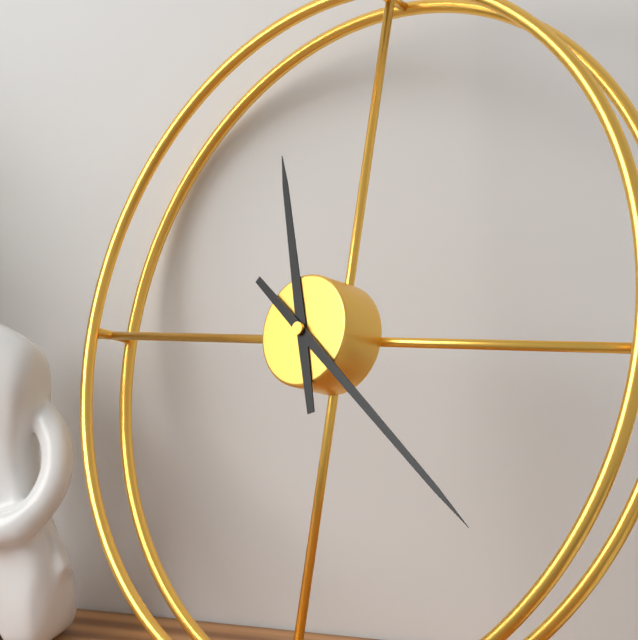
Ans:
11h21
